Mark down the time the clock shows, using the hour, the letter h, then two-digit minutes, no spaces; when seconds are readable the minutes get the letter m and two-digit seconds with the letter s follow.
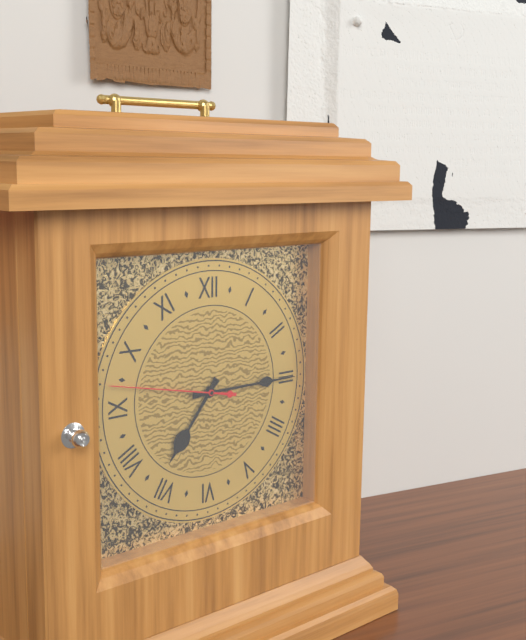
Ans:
7h15m47s
